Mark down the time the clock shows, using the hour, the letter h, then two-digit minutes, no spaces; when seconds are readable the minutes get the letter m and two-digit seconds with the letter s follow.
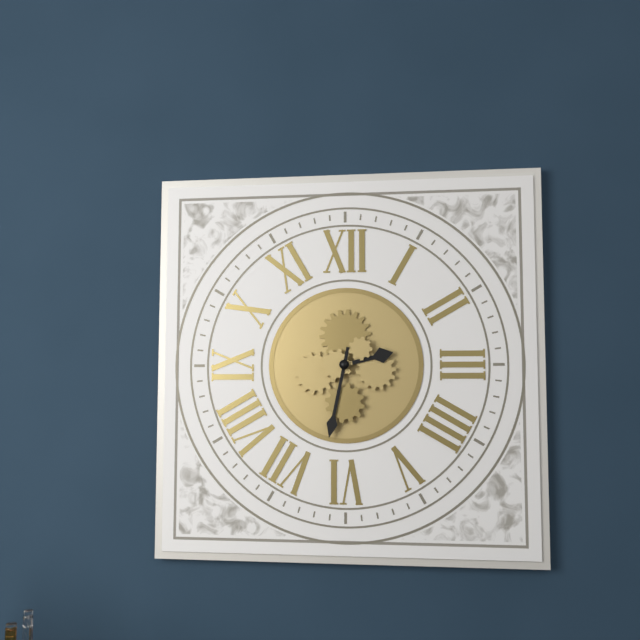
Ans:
2h32
